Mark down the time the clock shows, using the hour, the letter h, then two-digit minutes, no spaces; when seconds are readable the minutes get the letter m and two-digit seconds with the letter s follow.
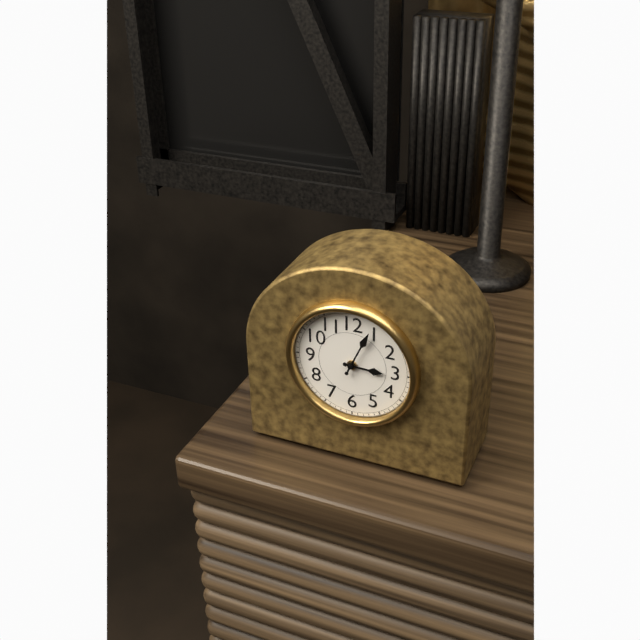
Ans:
3h04
